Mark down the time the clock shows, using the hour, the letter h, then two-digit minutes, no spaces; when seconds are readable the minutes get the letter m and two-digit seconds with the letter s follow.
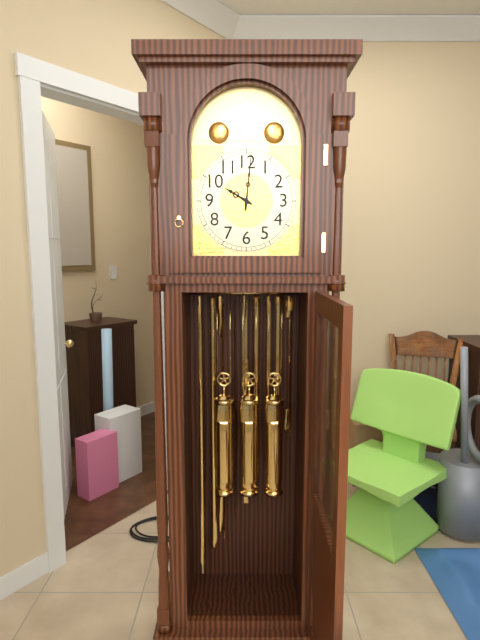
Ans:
10h01
